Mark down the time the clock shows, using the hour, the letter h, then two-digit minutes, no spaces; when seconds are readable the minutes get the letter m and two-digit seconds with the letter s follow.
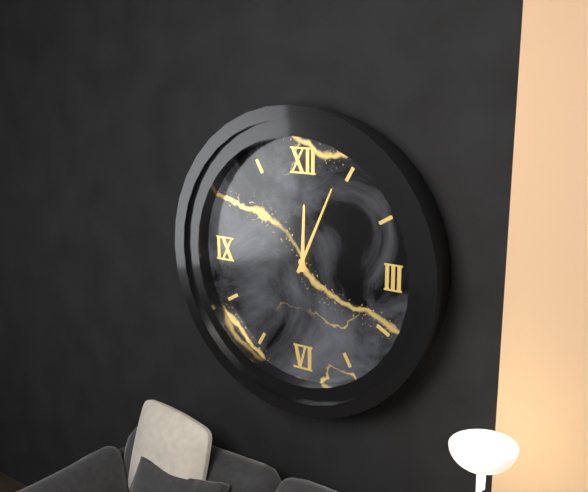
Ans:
12h04
